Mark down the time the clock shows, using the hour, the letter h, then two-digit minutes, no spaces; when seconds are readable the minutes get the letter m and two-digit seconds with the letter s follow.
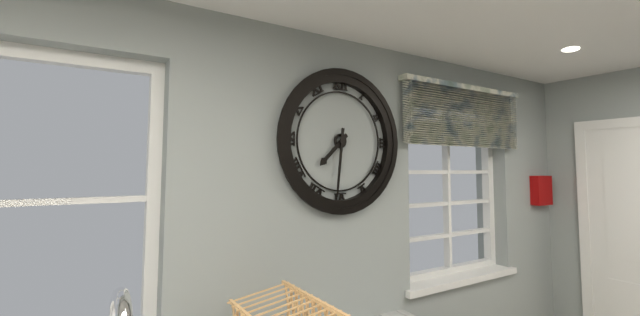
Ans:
7h31
